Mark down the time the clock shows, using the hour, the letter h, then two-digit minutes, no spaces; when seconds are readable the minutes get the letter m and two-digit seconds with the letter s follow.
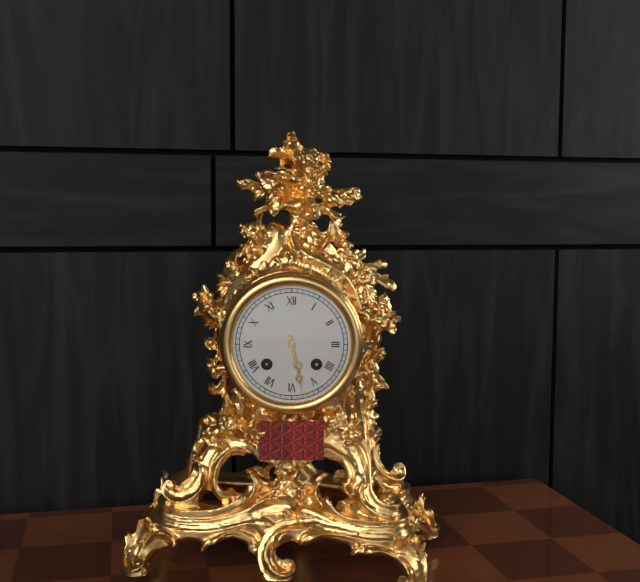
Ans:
5h28
